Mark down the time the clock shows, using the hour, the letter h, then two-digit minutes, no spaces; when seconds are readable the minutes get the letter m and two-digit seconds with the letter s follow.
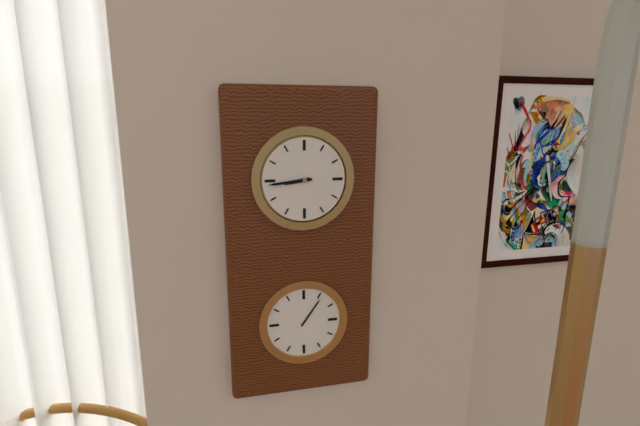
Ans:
8h44
